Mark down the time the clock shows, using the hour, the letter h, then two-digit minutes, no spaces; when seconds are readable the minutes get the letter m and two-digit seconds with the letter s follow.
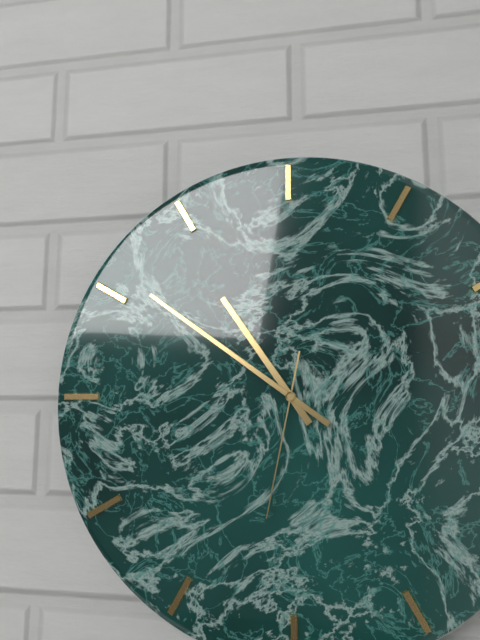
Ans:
10h51m32s
